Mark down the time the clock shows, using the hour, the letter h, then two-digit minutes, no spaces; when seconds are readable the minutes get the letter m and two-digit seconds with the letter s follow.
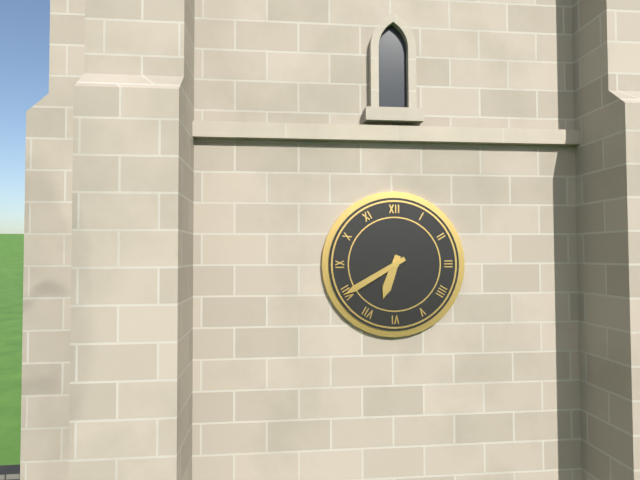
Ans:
6h40
